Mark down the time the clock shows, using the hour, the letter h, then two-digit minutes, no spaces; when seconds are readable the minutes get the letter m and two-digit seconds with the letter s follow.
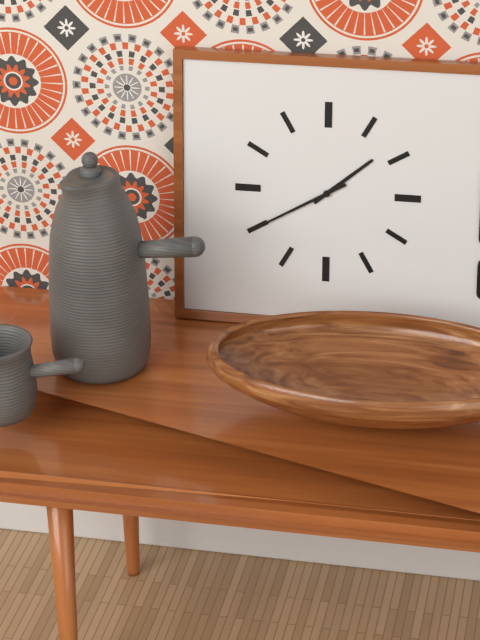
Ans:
1h40
